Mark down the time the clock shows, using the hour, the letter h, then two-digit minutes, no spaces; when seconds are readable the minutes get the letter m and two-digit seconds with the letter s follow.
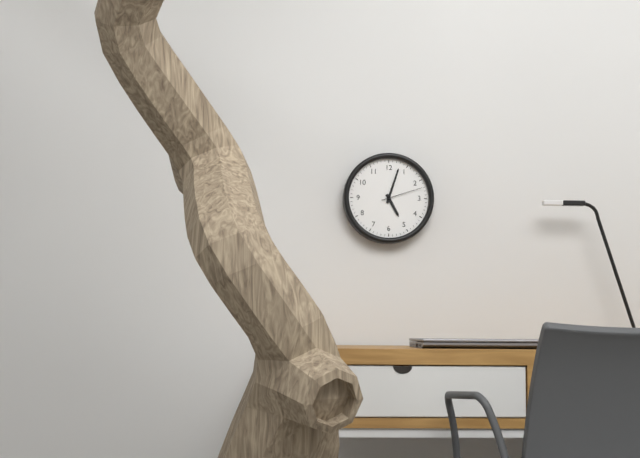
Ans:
5h03
